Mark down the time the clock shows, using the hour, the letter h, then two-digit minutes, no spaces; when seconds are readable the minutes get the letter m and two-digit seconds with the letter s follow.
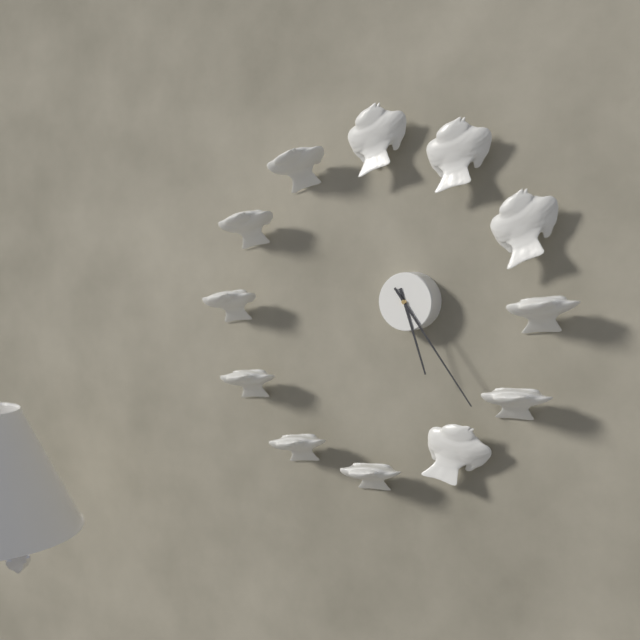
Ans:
5h24
